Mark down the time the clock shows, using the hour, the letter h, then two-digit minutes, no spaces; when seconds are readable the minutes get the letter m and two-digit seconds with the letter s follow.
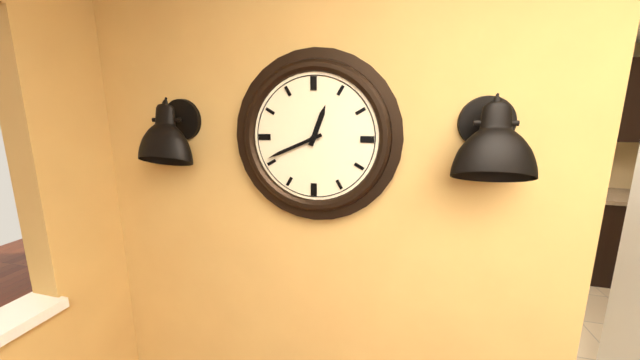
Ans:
12h41
